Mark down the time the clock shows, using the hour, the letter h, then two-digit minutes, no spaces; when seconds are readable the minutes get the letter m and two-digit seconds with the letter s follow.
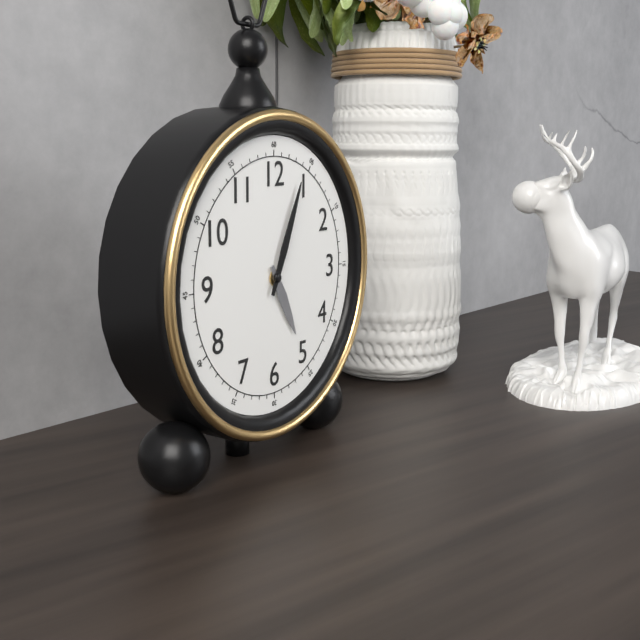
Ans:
5h04
